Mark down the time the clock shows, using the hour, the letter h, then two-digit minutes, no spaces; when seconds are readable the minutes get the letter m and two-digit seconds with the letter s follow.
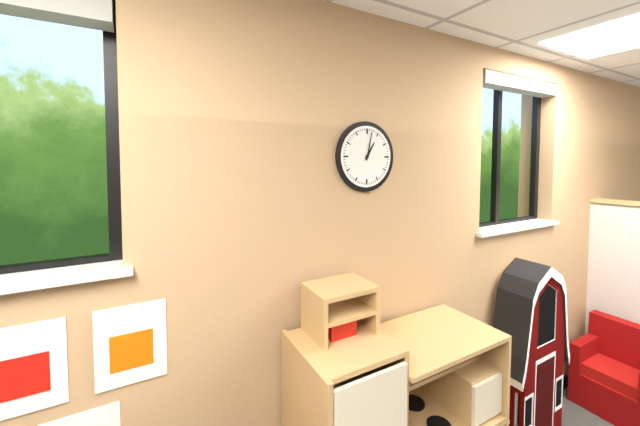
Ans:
1h02
